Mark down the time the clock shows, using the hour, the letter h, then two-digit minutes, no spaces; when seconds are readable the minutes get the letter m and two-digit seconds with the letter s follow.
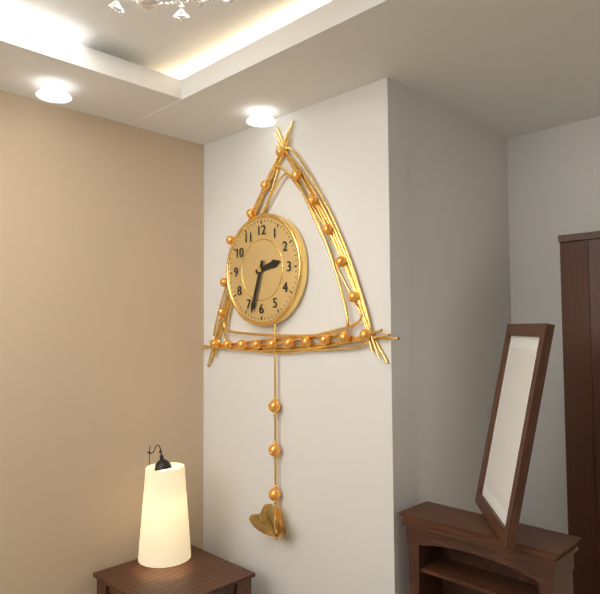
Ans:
2h33
